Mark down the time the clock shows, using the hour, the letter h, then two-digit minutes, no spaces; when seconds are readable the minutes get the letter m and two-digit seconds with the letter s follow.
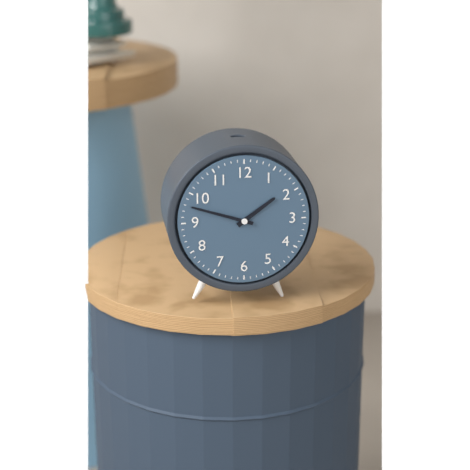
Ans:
1h48
